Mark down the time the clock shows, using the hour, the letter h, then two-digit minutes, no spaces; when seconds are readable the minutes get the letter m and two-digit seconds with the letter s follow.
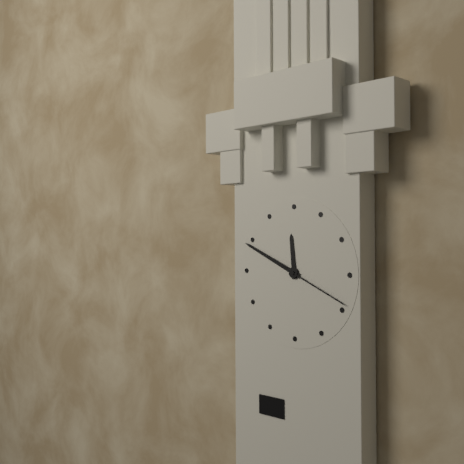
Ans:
11h49m19s
